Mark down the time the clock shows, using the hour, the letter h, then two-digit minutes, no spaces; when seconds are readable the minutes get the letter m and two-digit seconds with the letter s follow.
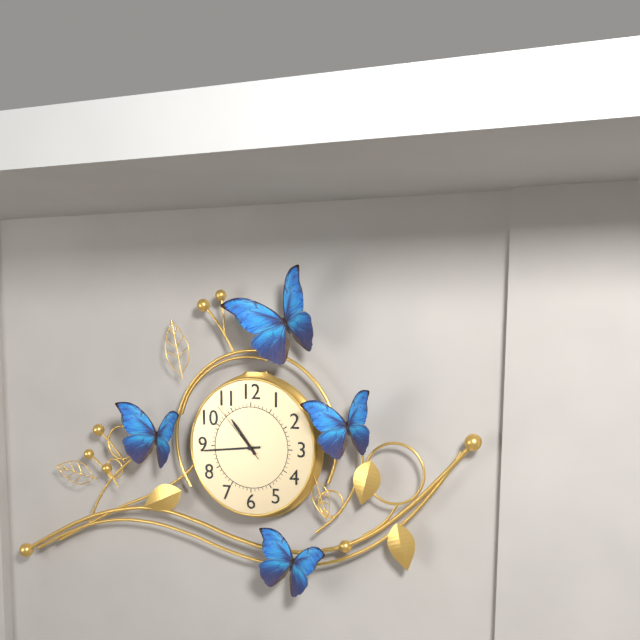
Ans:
10h44m53s
